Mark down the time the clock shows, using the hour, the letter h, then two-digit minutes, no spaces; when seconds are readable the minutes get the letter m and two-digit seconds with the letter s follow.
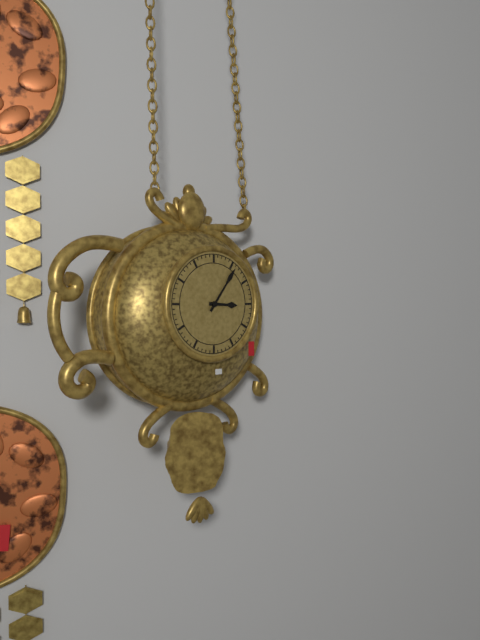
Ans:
3h06
